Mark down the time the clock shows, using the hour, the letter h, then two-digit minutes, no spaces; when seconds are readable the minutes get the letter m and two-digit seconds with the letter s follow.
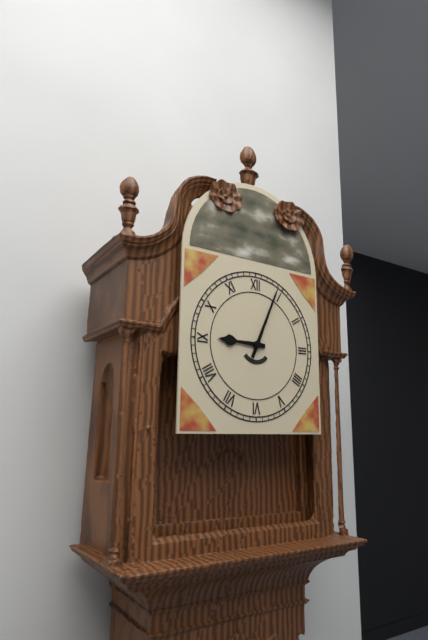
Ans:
9h04
